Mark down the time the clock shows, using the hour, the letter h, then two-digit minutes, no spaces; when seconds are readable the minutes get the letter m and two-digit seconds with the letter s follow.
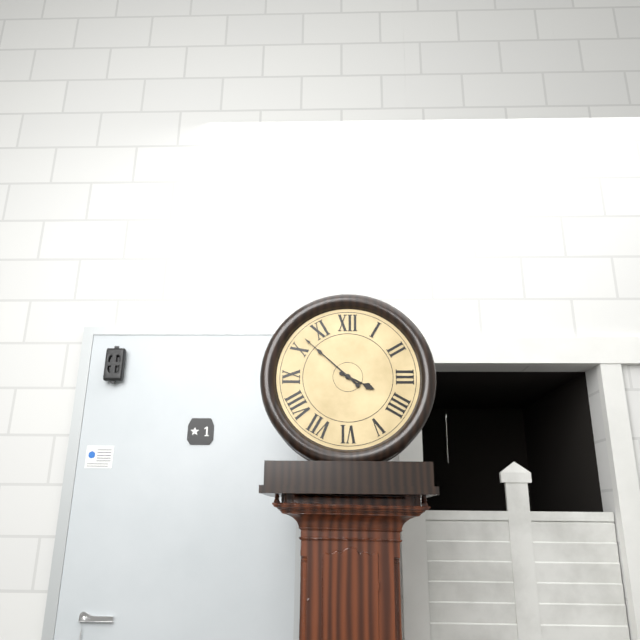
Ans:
3h52
